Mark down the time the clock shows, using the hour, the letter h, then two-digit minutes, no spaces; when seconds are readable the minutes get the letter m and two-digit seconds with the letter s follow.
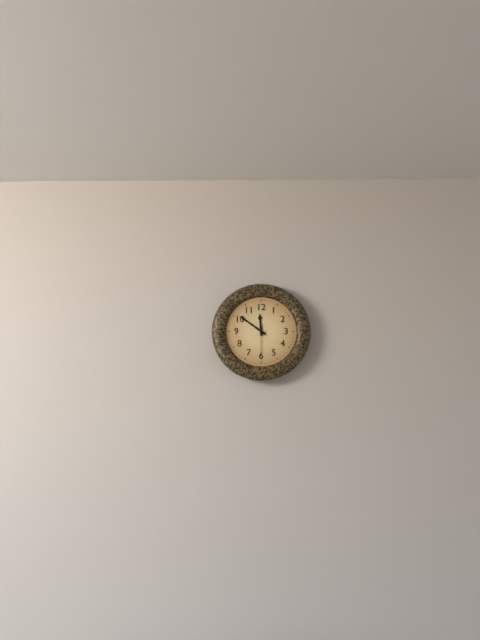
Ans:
11h51
